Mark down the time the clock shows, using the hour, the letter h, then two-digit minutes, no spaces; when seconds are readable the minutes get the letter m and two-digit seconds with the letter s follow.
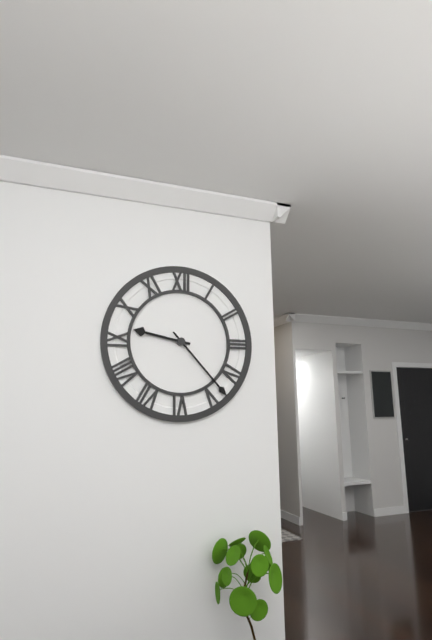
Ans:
9h23
